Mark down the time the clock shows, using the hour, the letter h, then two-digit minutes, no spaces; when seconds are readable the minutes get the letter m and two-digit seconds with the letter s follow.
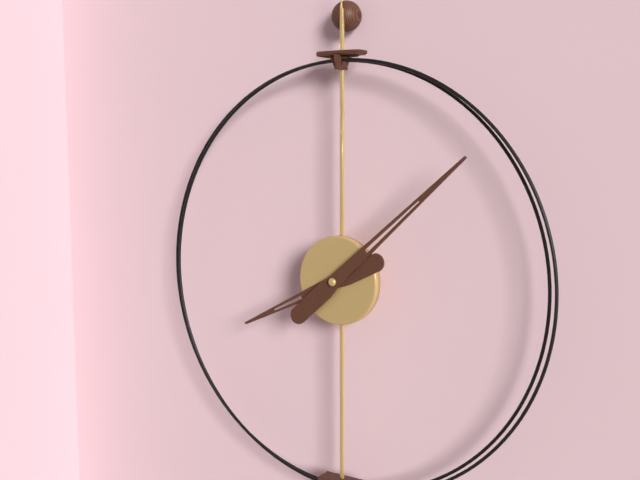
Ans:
8h08
